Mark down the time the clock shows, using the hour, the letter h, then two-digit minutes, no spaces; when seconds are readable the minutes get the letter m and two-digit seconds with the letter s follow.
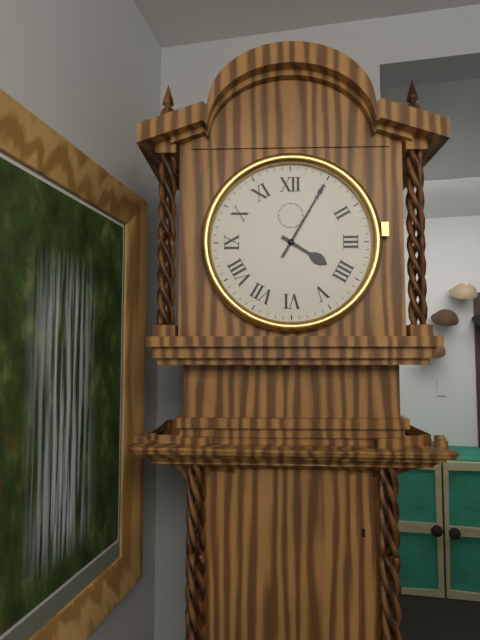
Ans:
4h05
